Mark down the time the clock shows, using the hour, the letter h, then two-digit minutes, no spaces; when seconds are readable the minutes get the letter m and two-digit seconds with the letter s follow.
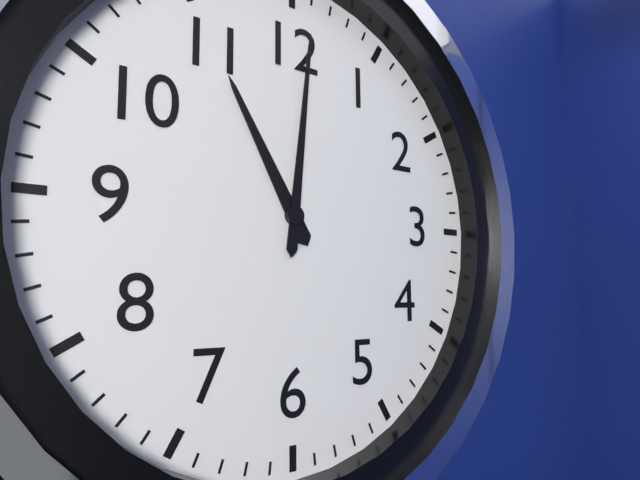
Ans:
11h01
